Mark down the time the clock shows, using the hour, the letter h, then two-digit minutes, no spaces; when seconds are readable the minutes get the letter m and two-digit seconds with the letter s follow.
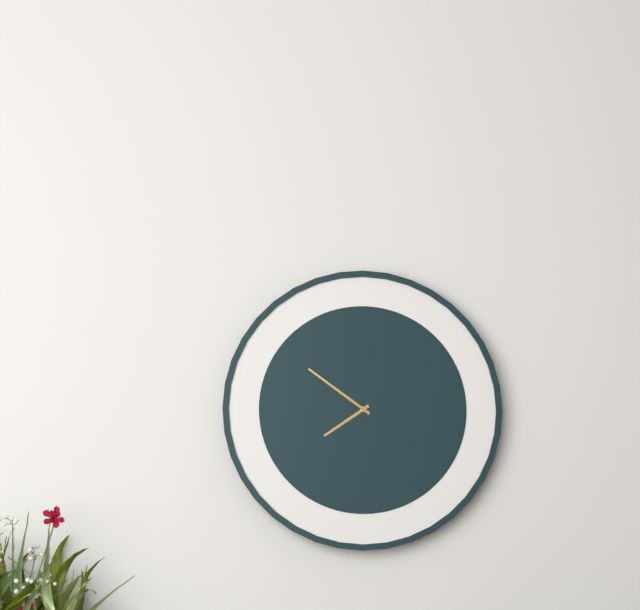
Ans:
7h51
